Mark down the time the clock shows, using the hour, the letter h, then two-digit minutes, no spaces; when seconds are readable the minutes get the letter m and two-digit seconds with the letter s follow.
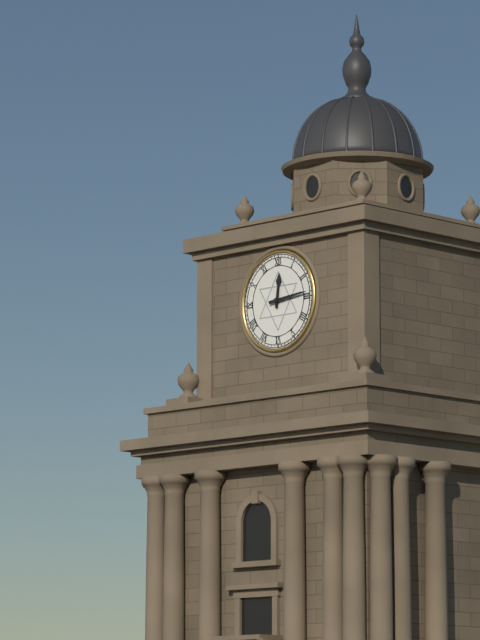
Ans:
12h14
